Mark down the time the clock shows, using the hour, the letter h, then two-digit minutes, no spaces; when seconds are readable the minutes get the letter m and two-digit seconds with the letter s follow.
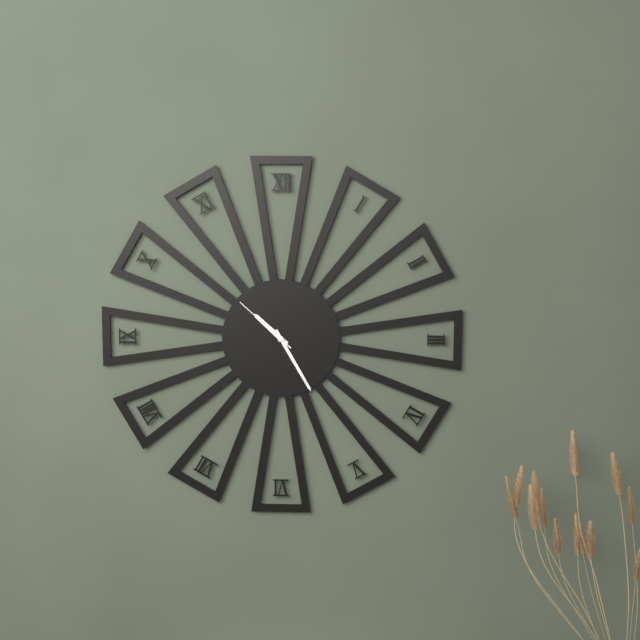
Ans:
10h25m52s
